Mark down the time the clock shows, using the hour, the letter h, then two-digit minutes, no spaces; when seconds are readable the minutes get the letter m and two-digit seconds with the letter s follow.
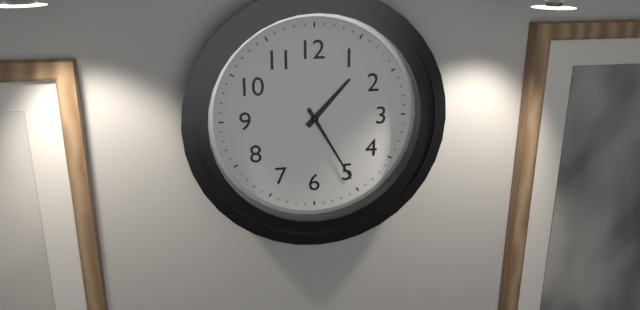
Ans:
1h25
